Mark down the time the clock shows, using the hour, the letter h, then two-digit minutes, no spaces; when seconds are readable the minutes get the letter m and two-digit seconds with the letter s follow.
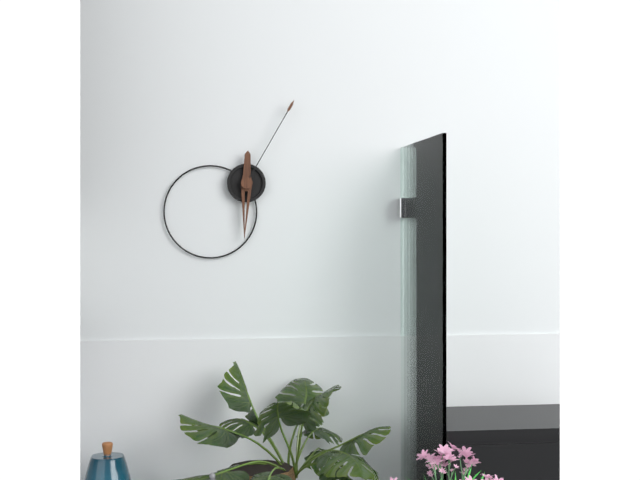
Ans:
6h05
